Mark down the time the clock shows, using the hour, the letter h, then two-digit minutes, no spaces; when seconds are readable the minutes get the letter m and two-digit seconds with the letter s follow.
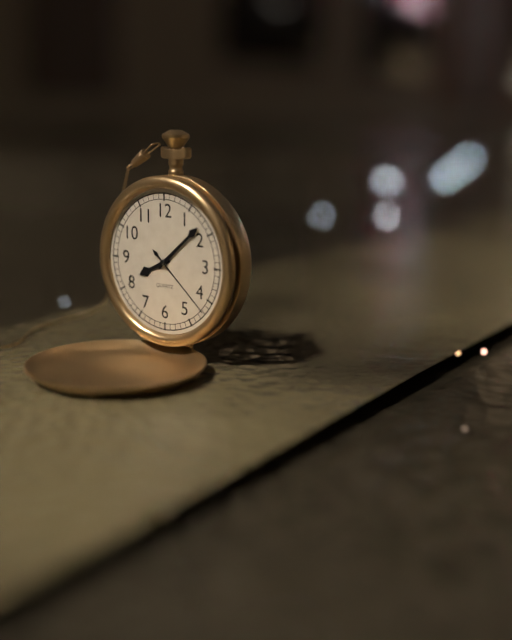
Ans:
8h08m22s
